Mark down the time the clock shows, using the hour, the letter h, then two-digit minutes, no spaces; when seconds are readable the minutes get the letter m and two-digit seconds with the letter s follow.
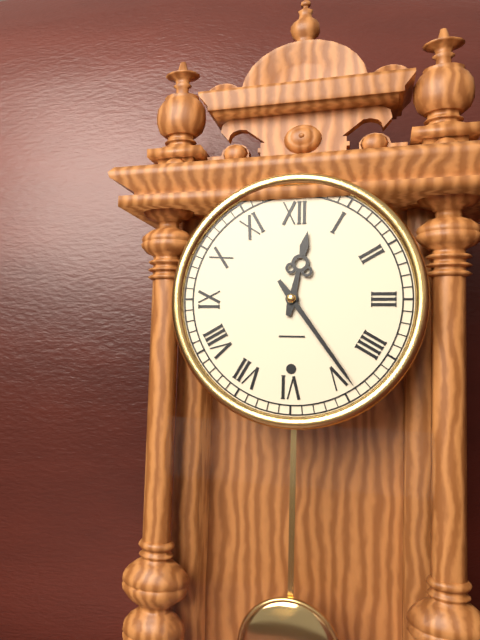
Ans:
12h24
